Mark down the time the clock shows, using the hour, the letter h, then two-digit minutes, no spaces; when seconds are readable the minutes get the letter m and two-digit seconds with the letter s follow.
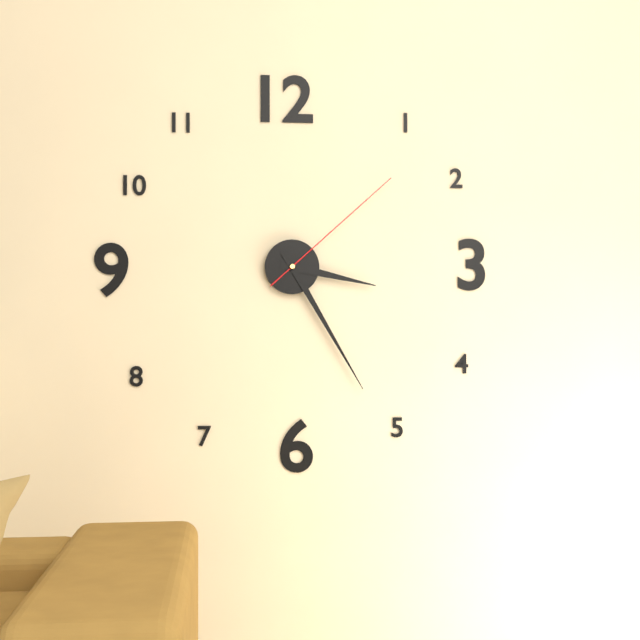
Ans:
3h25m08s
